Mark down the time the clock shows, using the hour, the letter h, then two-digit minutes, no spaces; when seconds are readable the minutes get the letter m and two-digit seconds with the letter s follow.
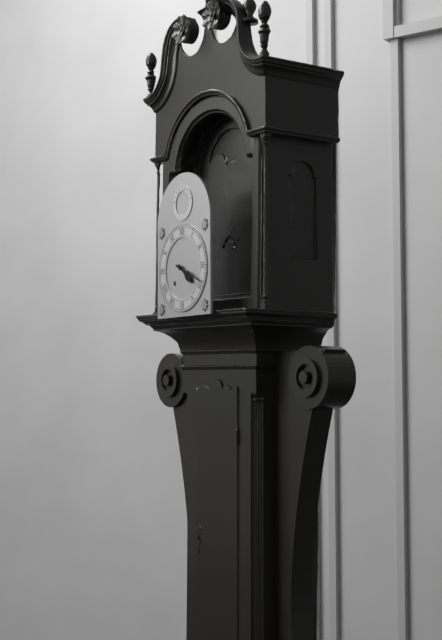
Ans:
4h19
